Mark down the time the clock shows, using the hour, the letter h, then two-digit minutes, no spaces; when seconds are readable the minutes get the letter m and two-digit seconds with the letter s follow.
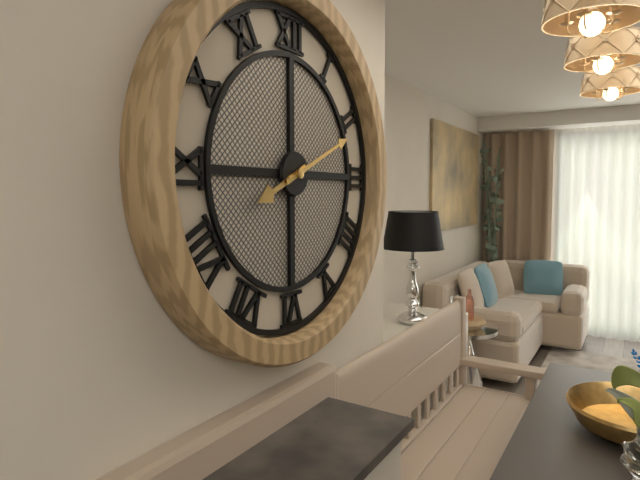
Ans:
8h11
